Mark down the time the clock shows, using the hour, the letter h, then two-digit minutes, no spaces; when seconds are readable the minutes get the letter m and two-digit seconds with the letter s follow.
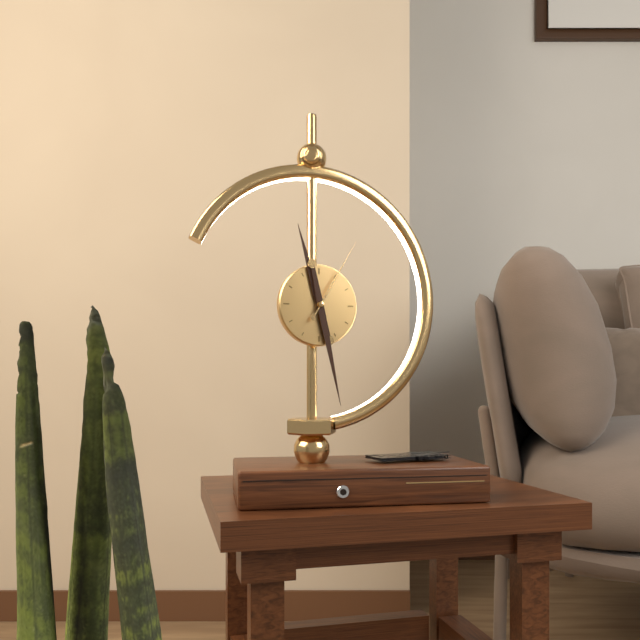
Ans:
11h28m05s
